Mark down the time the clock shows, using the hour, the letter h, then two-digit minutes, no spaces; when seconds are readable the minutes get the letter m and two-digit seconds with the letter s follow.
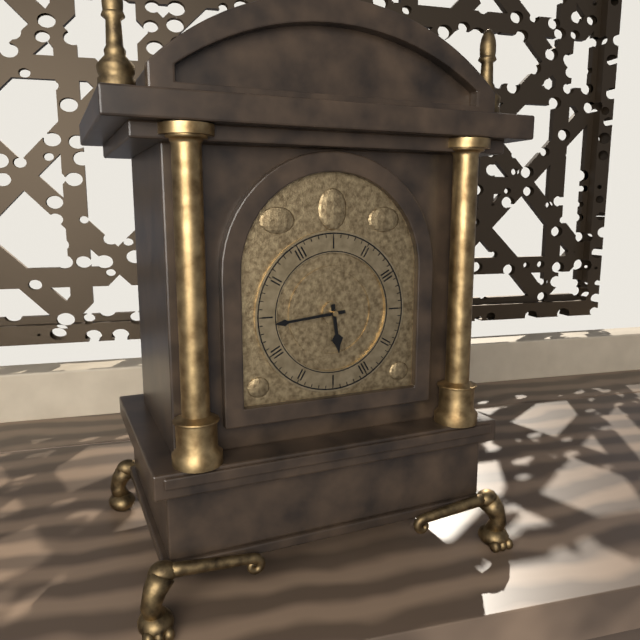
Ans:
5h44
